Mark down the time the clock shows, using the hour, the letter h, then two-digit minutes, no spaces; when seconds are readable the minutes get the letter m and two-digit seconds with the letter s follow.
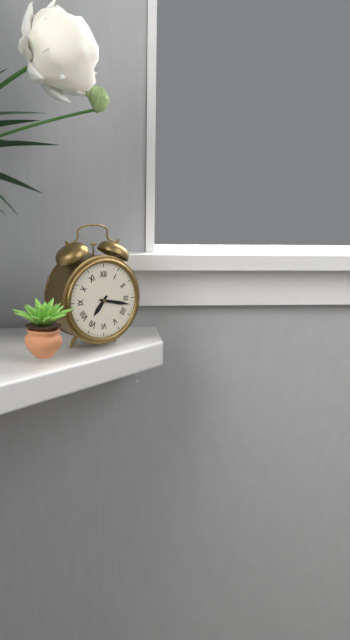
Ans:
7h17
